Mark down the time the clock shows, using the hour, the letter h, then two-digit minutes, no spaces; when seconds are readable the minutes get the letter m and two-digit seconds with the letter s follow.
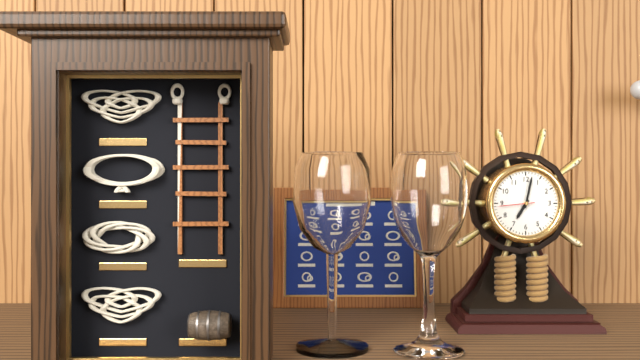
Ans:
7h02
